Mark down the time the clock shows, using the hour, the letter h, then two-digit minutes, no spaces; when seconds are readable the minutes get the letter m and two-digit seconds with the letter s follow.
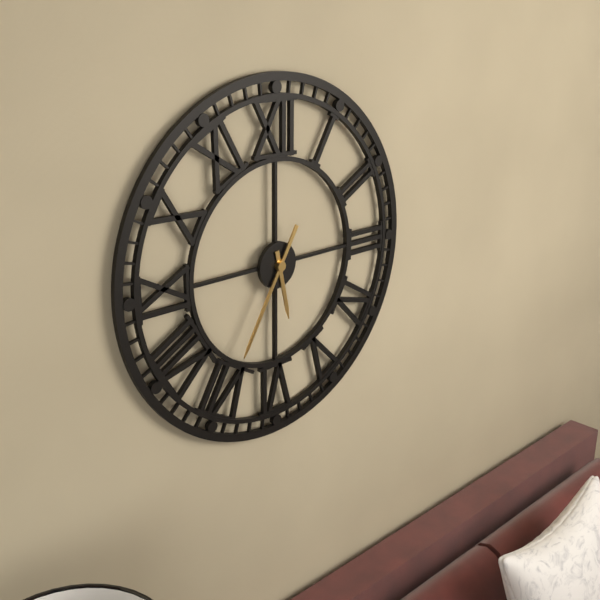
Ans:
5h35
